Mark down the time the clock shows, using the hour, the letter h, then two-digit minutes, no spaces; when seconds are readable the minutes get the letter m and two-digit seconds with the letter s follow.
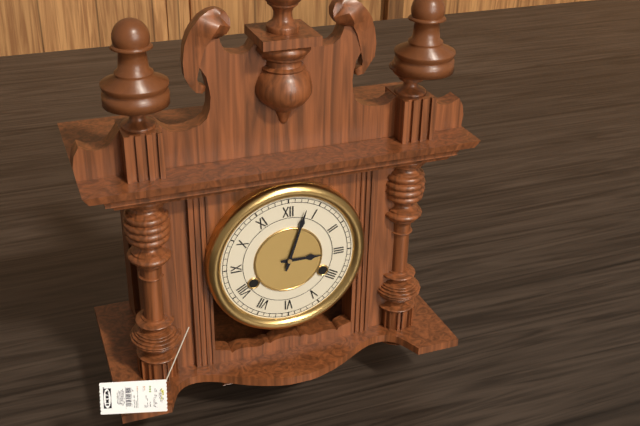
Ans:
3h03
